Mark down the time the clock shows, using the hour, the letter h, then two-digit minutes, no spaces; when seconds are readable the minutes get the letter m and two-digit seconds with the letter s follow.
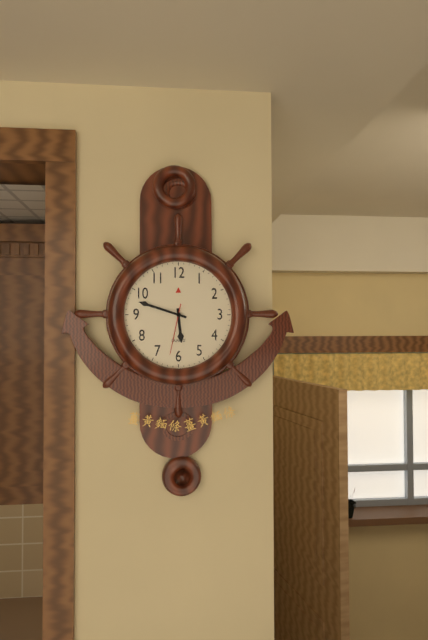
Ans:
5h48m32s
